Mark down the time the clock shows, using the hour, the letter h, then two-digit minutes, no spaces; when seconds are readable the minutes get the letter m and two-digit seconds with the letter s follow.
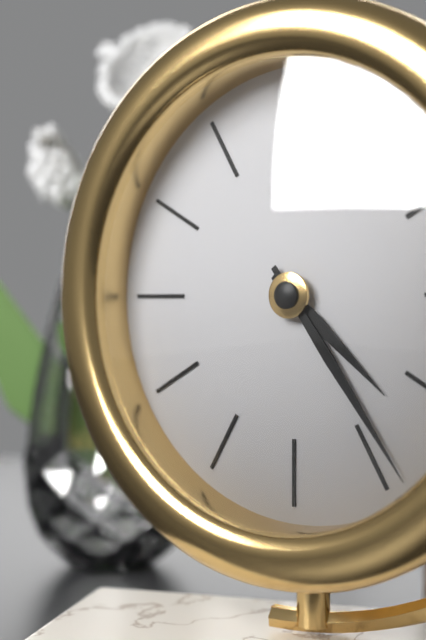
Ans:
4h24
